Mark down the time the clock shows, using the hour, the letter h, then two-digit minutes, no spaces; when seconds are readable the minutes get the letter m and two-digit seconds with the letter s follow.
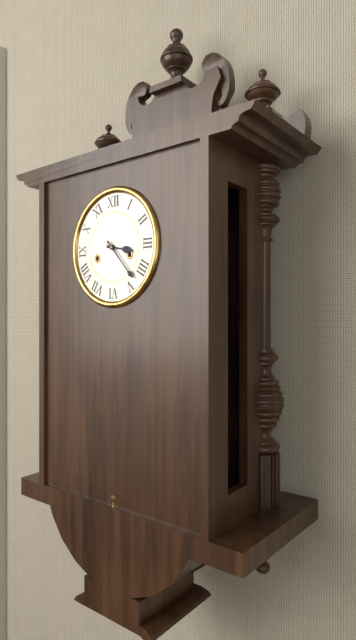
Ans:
3h23
